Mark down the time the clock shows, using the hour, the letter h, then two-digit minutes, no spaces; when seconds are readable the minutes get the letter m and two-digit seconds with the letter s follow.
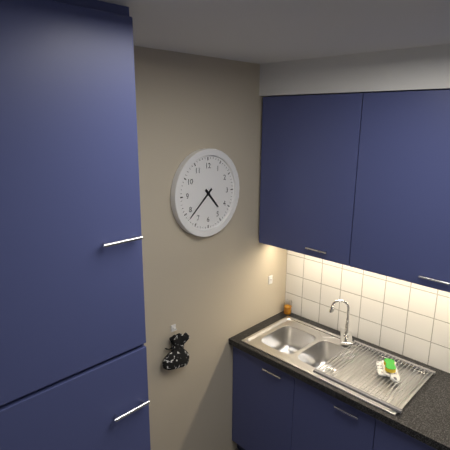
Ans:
4h38
